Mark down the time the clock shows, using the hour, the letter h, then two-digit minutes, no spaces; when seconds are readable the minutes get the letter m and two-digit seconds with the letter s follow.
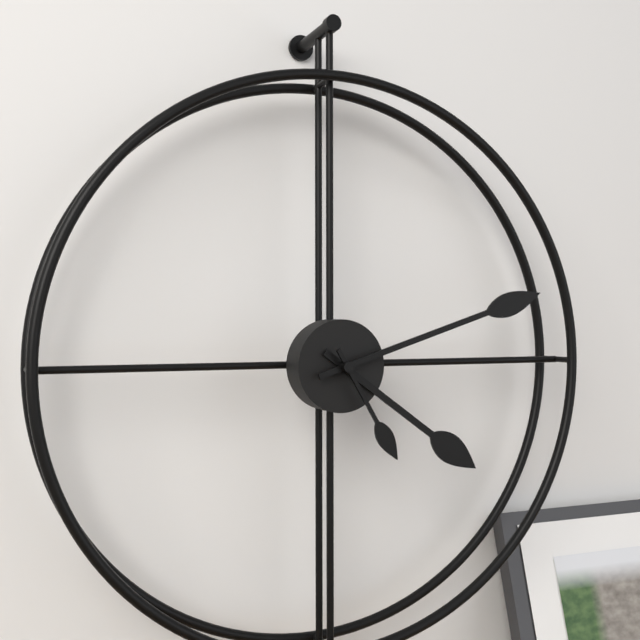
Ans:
4h12m25s
